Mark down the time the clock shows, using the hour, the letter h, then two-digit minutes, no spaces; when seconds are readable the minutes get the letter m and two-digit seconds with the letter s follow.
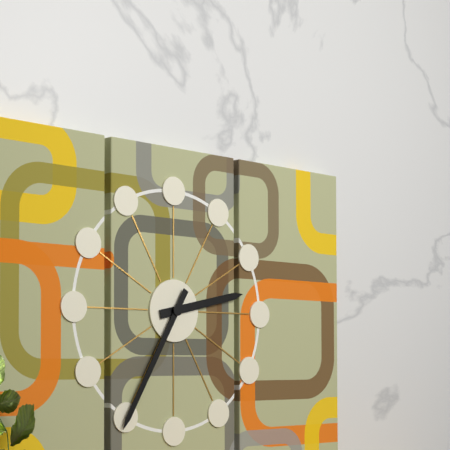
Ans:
2h35
